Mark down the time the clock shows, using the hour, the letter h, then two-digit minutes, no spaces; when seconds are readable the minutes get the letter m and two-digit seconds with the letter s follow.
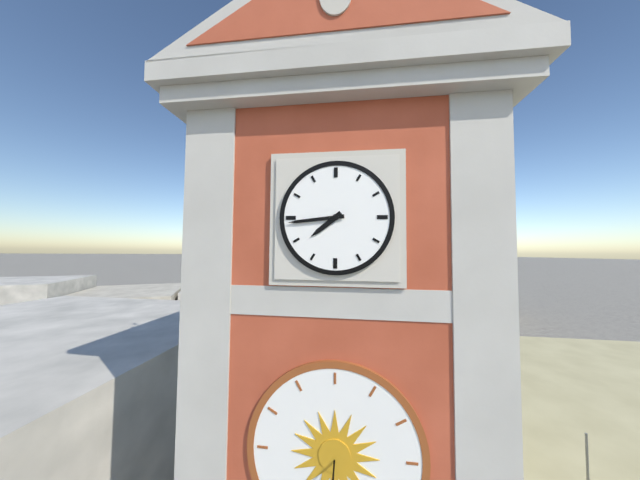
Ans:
7h44
